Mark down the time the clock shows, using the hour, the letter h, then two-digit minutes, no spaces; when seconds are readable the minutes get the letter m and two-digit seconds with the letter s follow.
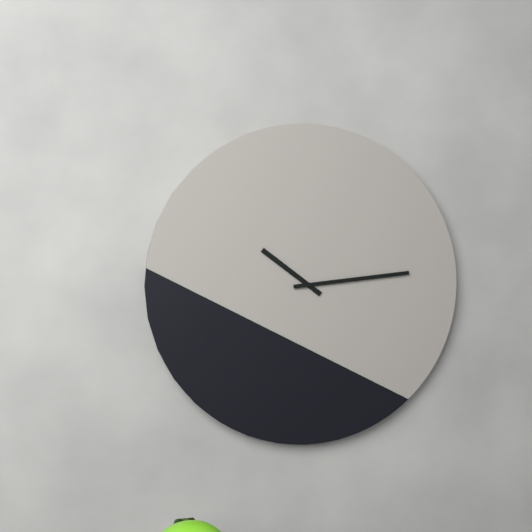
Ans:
10h14
